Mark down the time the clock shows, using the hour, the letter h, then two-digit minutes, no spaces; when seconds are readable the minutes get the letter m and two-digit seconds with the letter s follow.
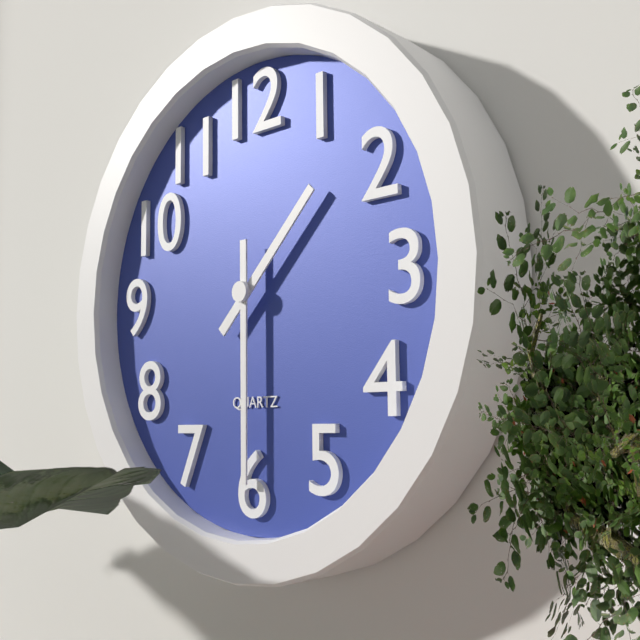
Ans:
1h30
